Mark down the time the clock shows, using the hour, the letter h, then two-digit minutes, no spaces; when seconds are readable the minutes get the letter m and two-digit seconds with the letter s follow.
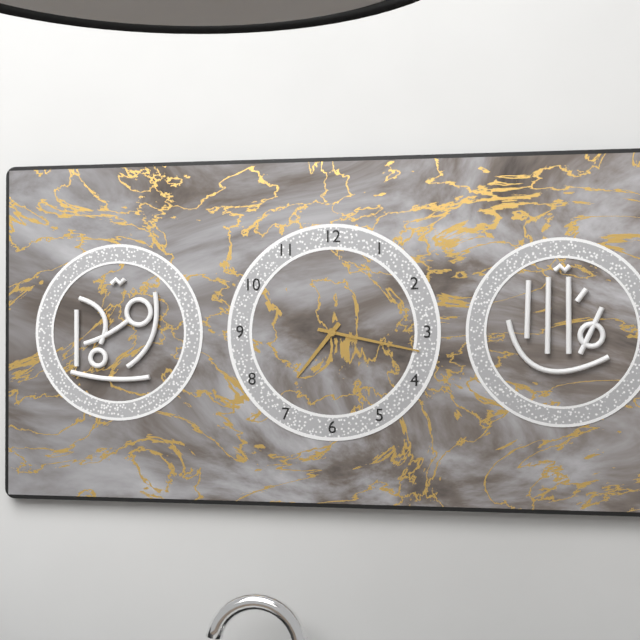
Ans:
7h17
